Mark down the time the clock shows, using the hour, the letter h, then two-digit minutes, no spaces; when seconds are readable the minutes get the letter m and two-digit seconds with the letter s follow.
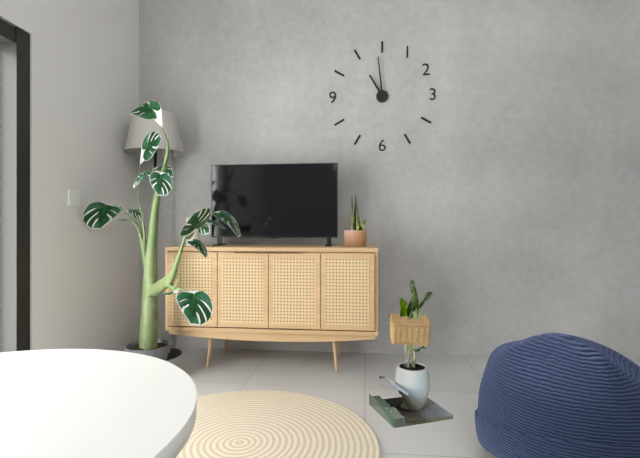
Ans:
10h59
